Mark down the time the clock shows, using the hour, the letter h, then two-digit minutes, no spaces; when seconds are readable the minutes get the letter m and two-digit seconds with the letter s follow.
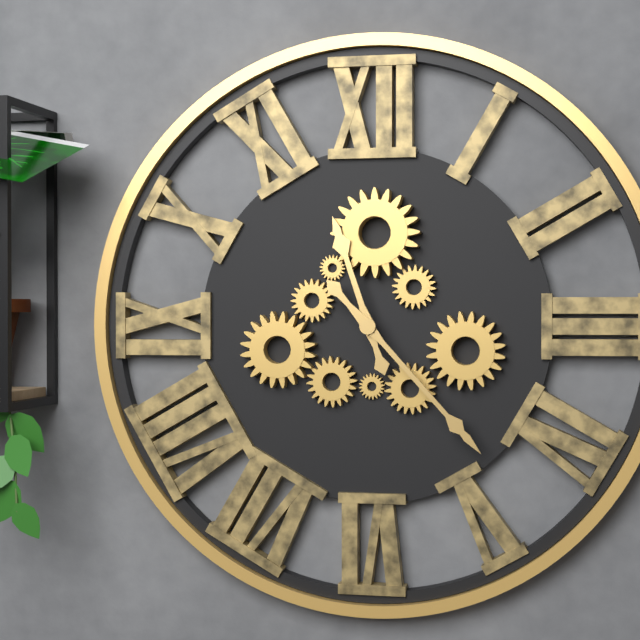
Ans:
11h23
